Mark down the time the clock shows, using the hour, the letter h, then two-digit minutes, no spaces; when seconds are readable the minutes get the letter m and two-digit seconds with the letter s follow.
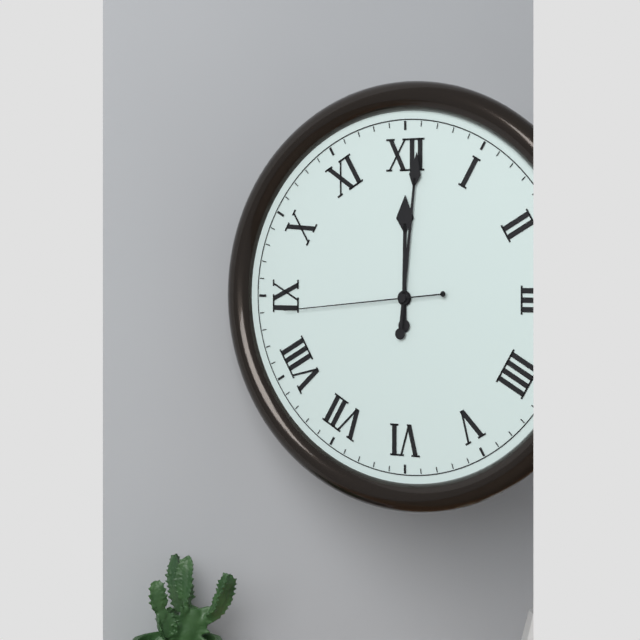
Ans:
12h01m44s
